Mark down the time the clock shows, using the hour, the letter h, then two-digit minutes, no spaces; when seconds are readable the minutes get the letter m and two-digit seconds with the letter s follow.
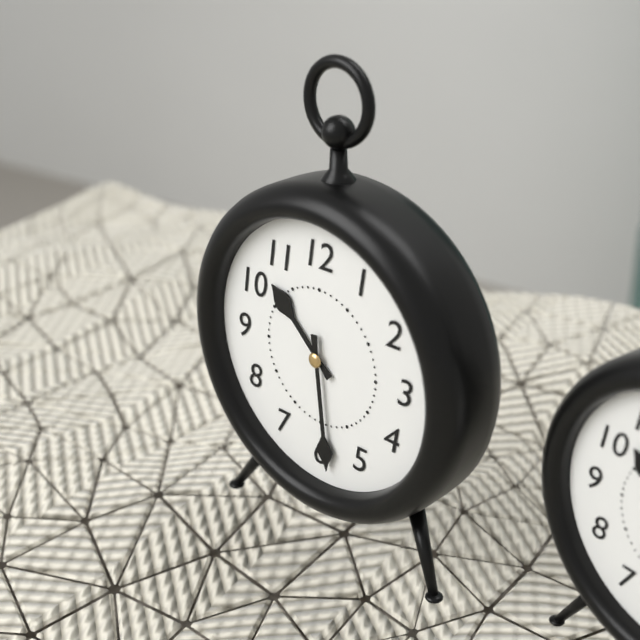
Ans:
10h29
